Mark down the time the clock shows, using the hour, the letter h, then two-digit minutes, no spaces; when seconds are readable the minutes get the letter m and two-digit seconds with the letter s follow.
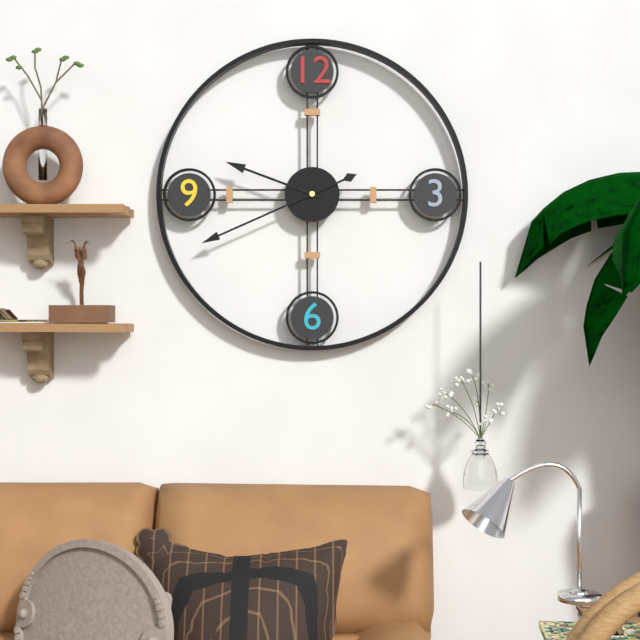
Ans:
9h41
